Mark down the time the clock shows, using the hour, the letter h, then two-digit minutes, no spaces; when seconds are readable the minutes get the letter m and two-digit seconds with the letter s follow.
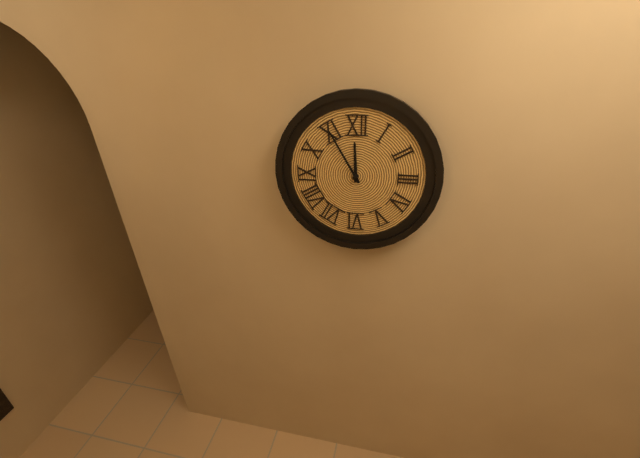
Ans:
11h55
